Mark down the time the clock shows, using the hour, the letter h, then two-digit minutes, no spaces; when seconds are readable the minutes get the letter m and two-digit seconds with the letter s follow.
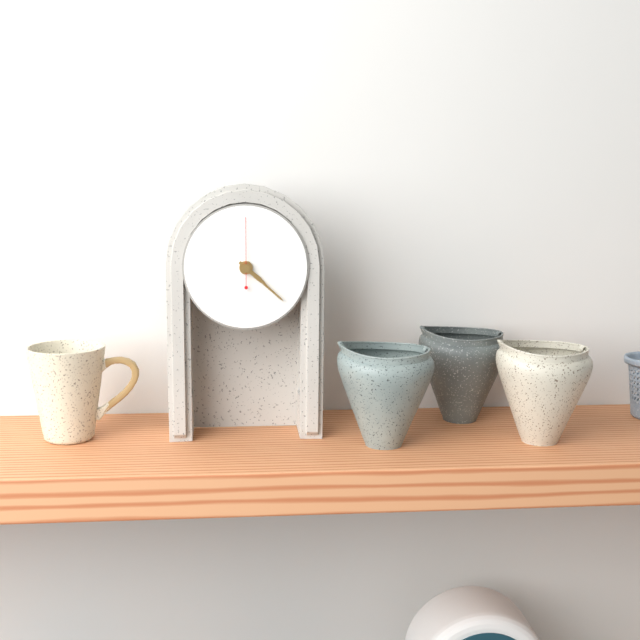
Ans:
4h22m00s
